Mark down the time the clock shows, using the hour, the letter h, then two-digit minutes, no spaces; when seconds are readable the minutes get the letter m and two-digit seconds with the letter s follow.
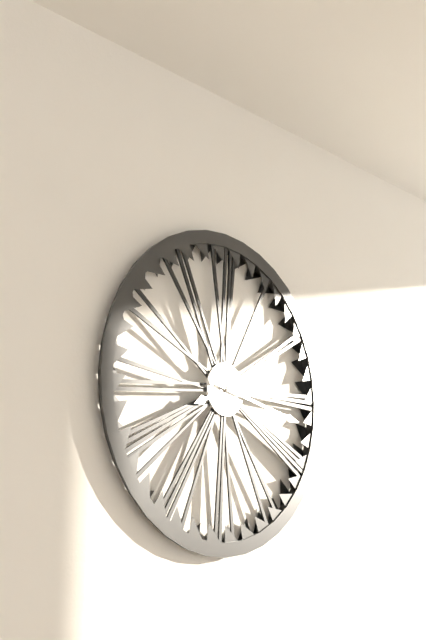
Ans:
8h17
